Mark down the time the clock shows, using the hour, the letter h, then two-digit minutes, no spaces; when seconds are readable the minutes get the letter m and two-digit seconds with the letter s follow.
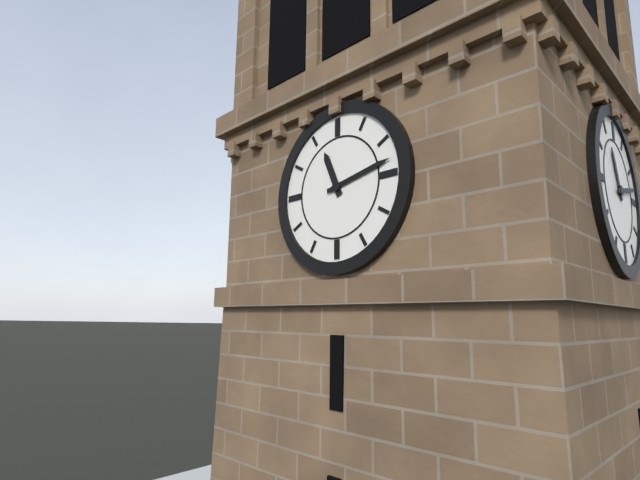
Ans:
11h13
